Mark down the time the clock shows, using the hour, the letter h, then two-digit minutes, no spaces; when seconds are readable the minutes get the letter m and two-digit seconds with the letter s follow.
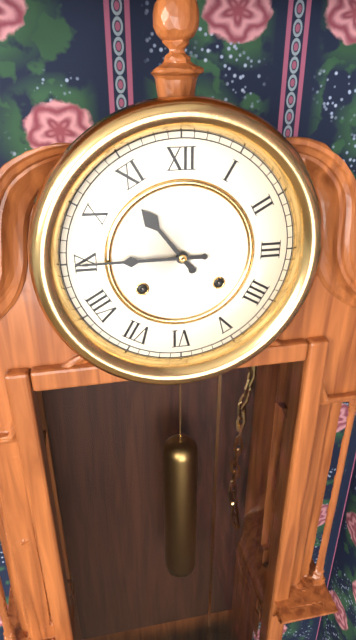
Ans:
10h45
